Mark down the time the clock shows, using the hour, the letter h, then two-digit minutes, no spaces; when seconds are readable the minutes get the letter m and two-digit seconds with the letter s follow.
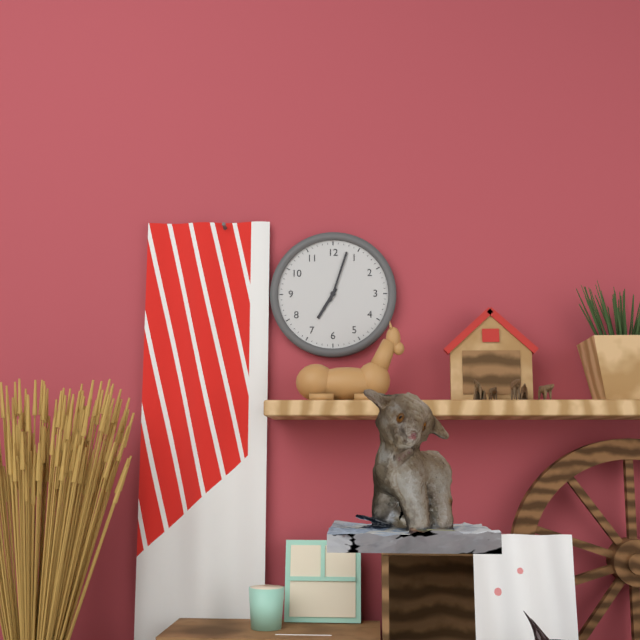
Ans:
7h03
